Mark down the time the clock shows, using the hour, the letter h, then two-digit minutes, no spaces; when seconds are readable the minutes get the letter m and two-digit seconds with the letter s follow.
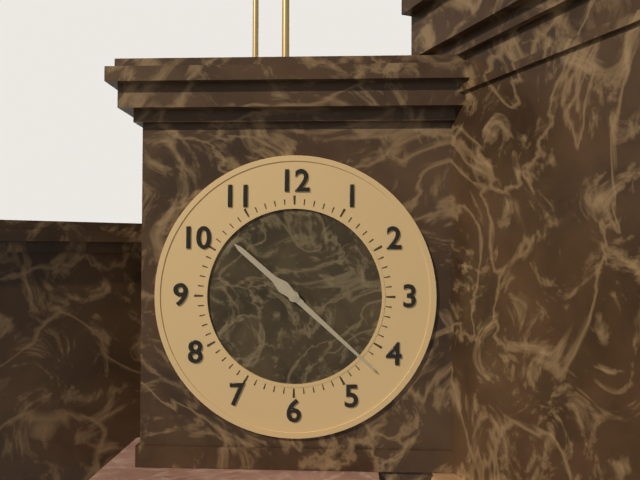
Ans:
10h22
